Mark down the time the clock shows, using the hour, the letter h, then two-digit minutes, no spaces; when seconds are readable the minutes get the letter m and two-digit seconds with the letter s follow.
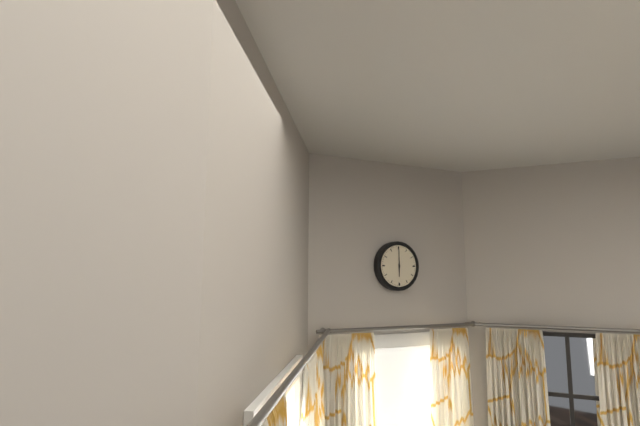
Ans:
6h00
